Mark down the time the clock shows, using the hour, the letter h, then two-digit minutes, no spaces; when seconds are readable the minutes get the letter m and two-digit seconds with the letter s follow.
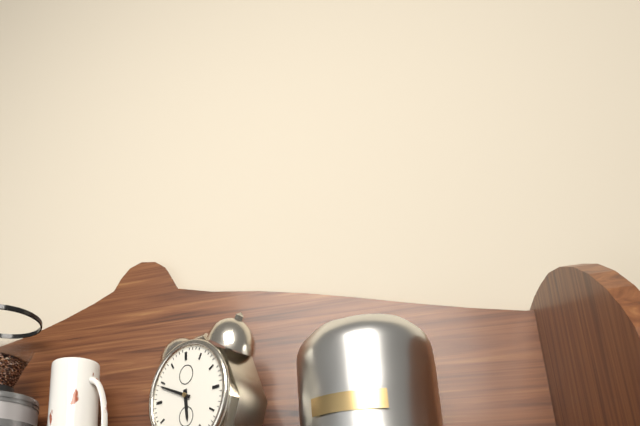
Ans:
5h49
